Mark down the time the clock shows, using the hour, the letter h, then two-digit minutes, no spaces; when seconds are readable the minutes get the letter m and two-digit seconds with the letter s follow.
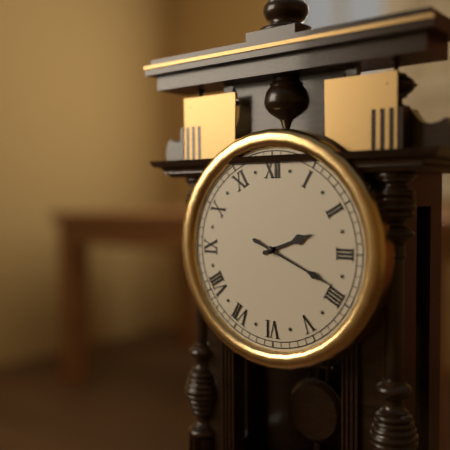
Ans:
2h19
